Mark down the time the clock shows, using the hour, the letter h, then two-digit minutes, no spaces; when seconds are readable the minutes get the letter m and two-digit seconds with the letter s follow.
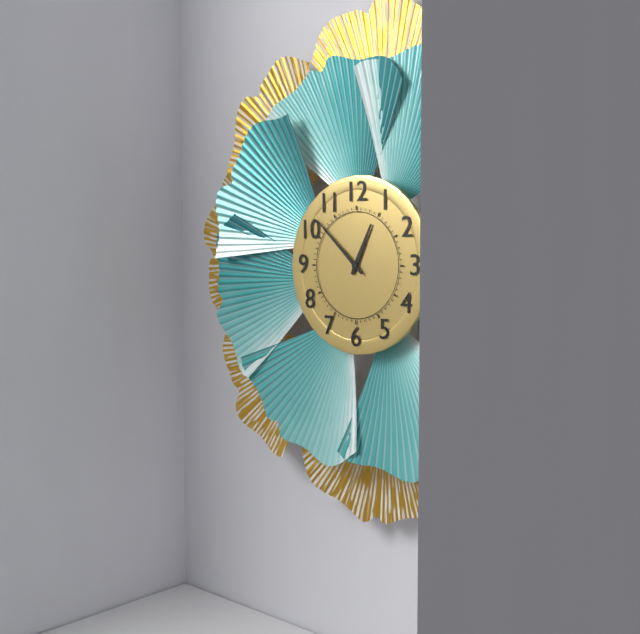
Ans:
12h52
